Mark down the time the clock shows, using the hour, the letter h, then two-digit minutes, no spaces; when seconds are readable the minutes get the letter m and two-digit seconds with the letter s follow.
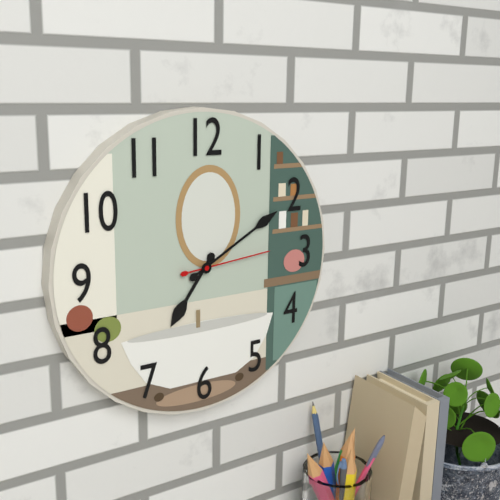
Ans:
7h10m14s
